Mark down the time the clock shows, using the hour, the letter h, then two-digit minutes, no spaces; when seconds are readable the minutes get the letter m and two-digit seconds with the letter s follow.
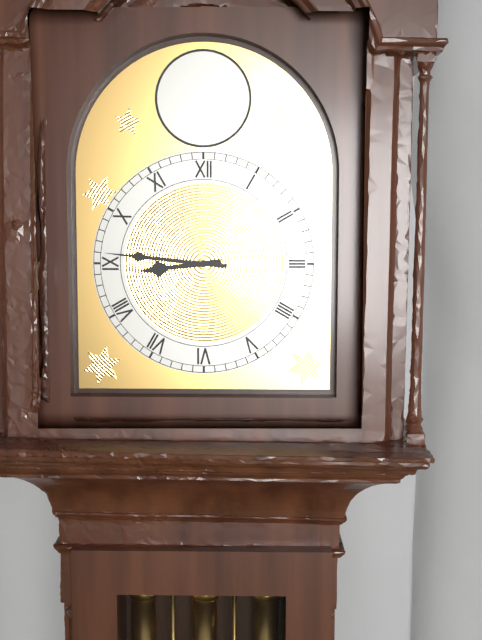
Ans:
8h46
